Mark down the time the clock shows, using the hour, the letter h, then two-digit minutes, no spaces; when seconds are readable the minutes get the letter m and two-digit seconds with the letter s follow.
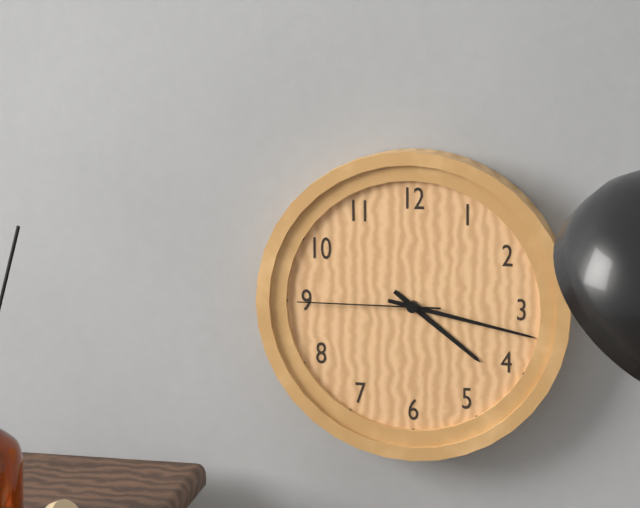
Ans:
4h17m45s
